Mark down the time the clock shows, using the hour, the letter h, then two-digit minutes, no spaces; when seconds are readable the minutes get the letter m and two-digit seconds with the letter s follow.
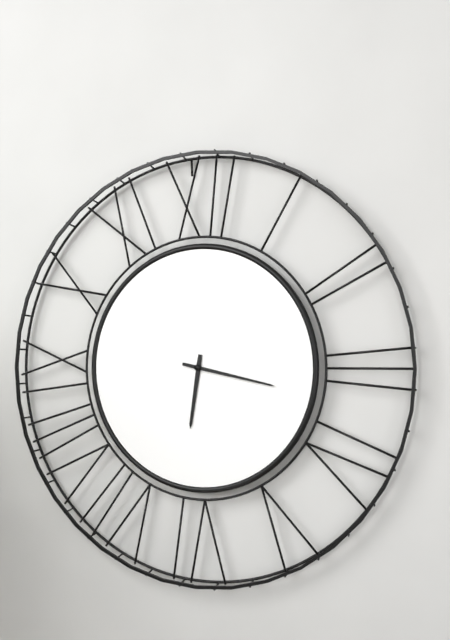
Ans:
6h17
